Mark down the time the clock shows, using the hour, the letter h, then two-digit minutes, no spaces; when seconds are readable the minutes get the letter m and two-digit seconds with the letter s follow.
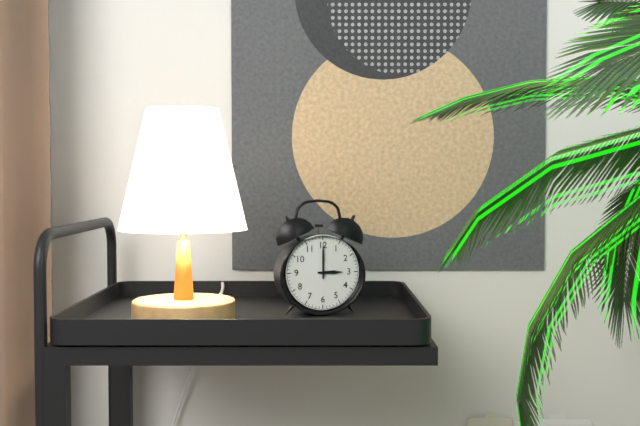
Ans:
3h00
